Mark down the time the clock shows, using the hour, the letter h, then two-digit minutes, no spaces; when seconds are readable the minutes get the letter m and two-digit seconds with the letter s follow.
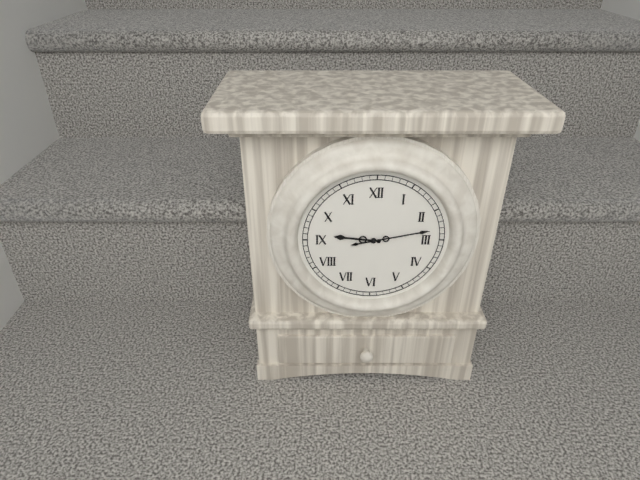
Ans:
9h13
